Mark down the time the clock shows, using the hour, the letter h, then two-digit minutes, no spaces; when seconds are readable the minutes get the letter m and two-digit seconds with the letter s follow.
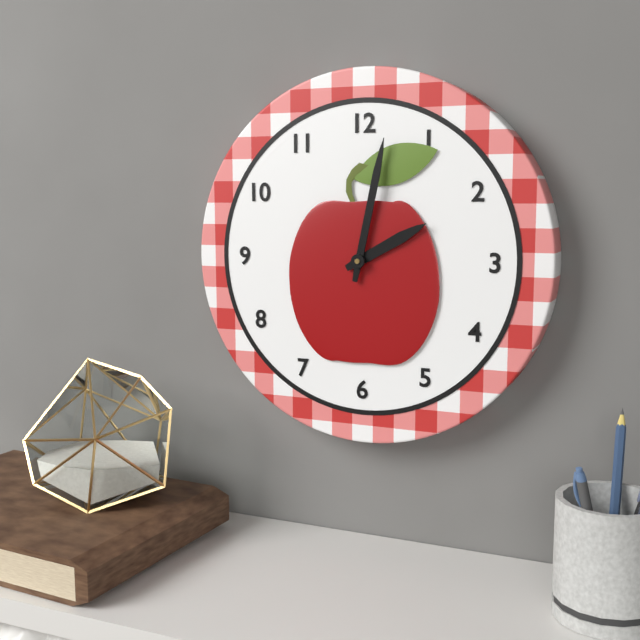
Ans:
2h02
